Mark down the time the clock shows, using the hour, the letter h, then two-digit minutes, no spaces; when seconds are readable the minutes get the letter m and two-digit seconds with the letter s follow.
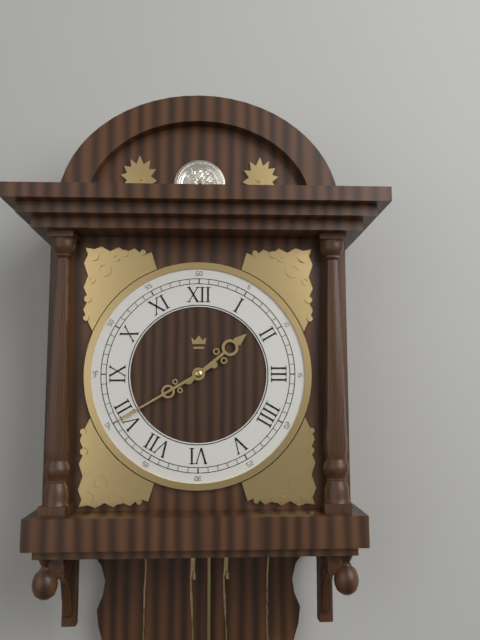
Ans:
1h40
